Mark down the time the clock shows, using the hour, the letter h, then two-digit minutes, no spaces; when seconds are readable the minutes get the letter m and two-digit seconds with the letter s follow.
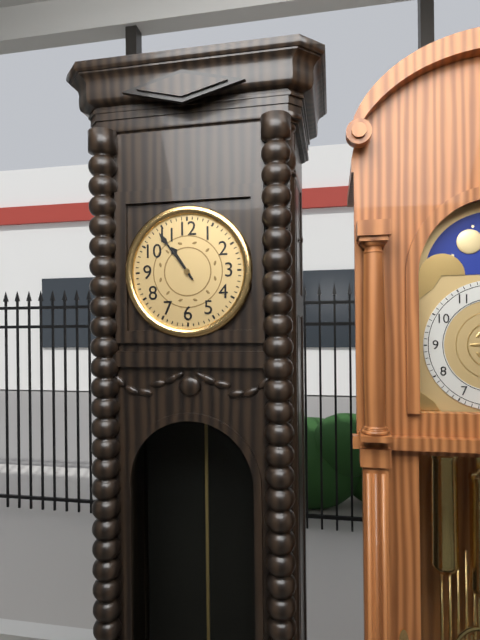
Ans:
10h54
